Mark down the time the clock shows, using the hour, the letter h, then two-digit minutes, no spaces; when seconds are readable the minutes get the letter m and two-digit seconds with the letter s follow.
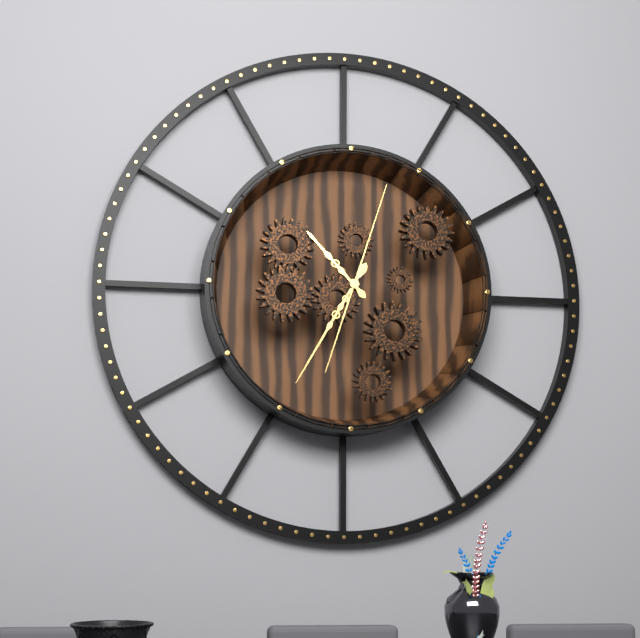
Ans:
10h35m03s
